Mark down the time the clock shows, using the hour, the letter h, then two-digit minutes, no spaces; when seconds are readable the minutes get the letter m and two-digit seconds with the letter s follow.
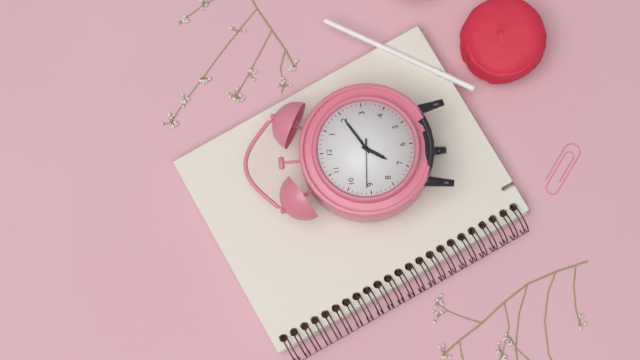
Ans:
7h10
